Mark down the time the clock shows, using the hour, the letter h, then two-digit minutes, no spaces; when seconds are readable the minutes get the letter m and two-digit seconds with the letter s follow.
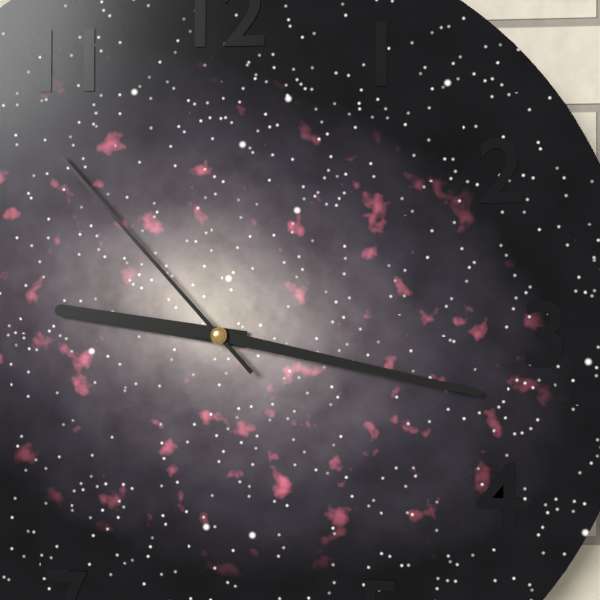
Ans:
9h17m53s
